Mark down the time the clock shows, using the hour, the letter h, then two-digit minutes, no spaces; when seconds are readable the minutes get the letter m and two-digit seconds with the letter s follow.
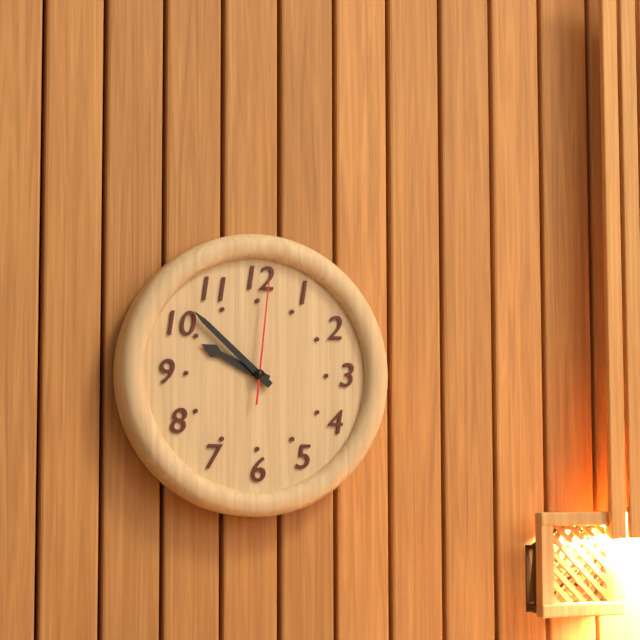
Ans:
9h52m01s
